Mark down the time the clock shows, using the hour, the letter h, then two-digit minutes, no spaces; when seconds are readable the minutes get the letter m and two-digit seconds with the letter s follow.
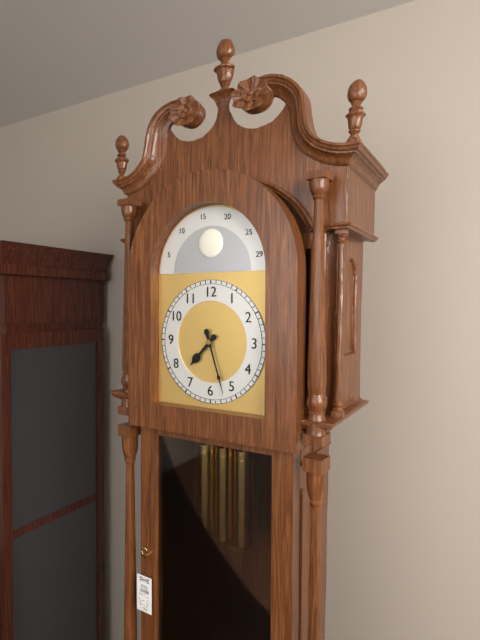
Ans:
7h27
